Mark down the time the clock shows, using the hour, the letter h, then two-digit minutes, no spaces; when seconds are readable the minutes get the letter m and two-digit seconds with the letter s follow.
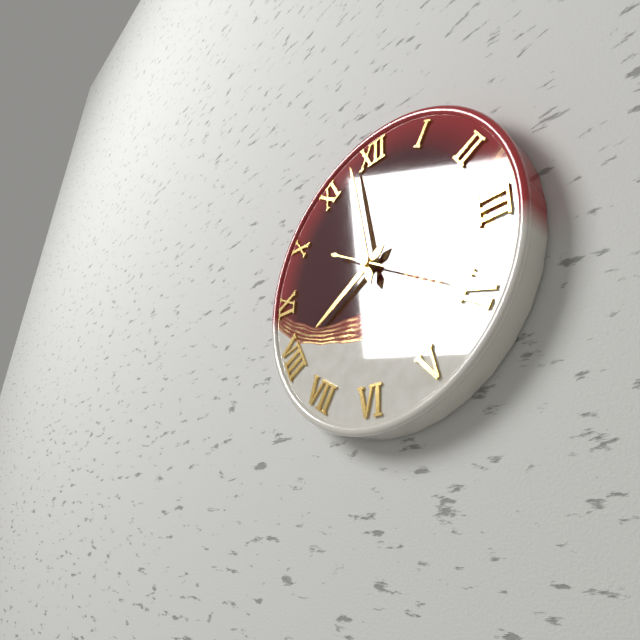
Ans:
7h58m20s
